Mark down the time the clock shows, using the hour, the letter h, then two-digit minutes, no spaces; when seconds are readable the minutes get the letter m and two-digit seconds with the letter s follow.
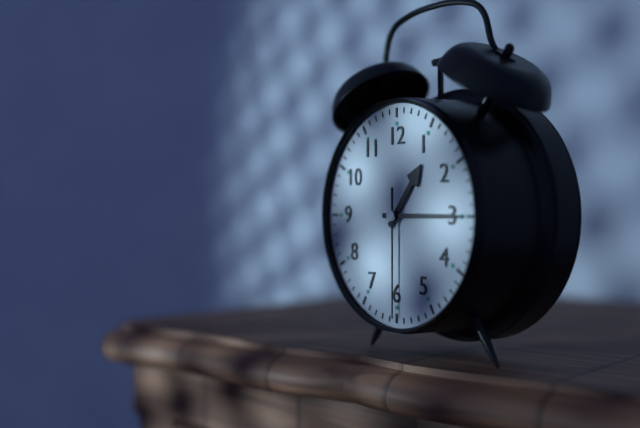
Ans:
1h15m30s
